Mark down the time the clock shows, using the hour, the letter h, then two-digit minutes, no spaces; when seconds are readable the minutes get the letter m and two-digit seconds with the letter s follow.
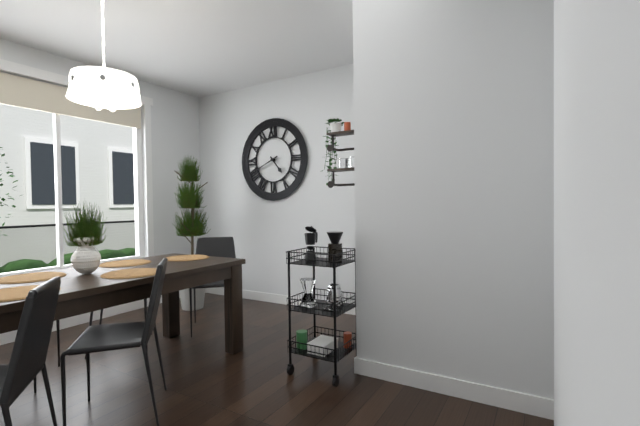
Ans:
4h41
